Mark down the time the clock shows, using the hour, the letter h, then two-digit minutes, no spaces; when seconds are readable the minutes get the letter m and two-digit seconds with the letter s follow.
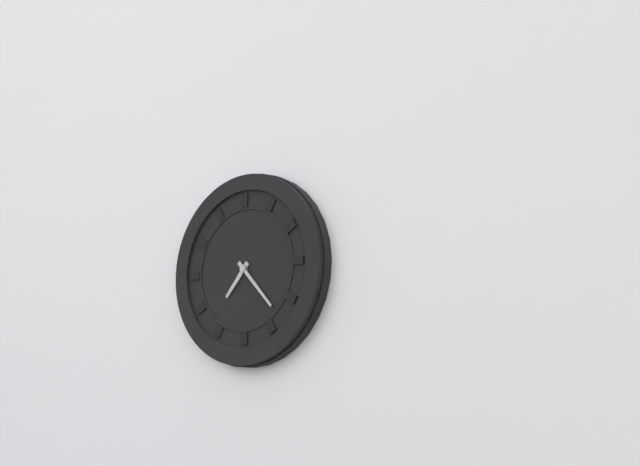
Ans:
7h23
